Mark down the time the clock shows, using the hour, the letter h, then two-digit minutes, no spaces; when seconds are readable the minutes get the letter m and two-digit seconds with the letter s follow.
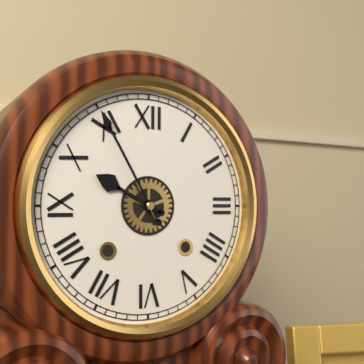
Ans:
9h55
